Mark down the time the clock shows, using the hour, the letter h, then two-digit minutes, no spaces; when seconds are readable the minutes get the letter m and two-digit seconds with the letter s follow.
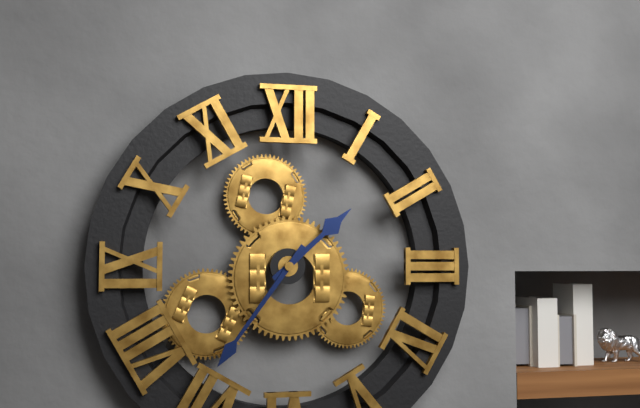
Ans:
1h36
